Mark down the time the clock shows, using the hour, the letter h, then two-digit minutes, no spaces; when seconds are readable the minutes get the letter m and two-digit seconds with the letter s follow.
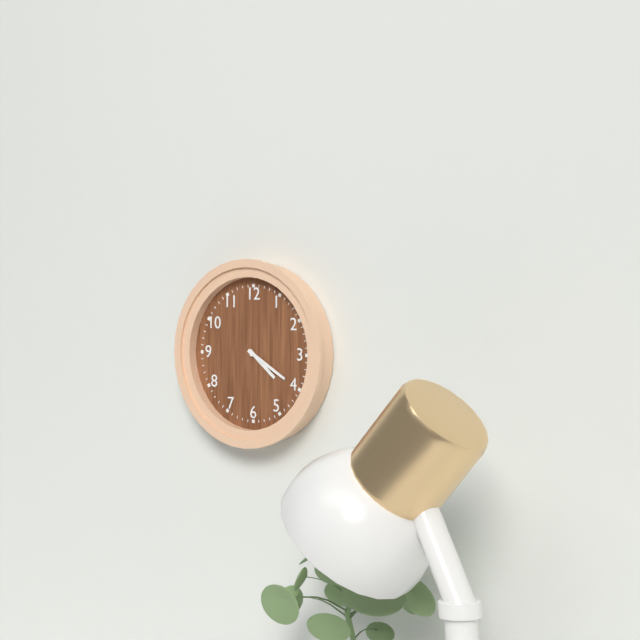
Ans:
4h20
